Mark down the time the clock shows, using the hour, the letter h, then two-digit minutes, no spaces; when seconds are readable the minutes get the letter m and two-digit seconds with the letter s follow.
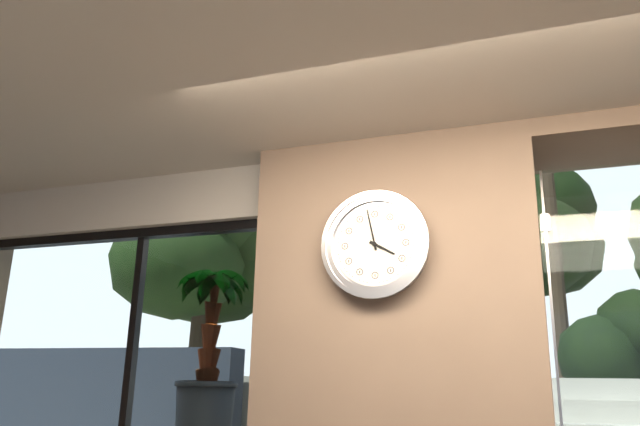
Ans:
3h58
